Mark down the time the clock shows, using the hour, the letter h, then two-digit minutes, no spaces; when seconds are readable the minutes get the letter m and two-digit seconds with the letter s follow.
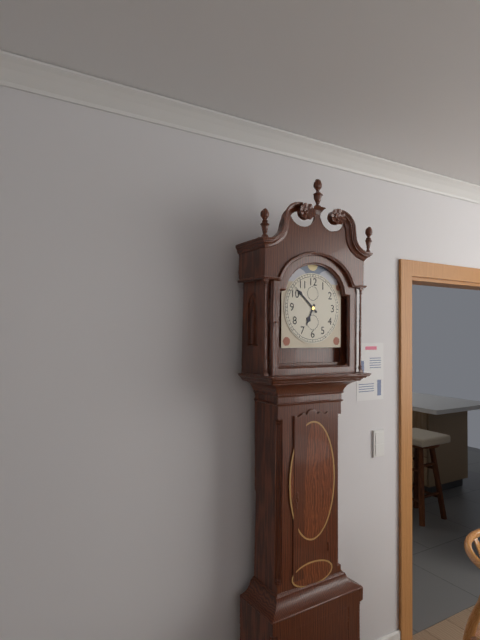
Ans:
6h52
